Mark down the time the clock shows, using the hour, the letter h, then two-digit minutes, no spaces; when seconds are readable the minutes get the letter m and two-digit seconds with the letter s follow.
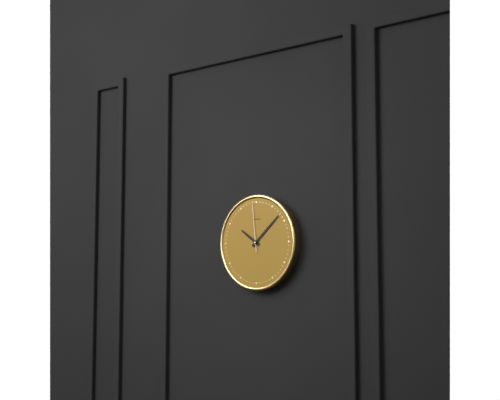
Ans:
10h08m59s
